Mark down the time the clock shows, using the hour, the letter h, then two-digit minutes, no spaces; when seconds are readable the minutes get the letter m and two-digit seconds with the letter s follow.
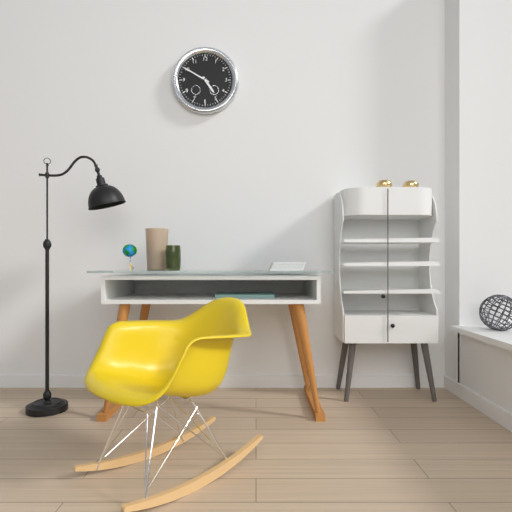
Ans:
4h50
